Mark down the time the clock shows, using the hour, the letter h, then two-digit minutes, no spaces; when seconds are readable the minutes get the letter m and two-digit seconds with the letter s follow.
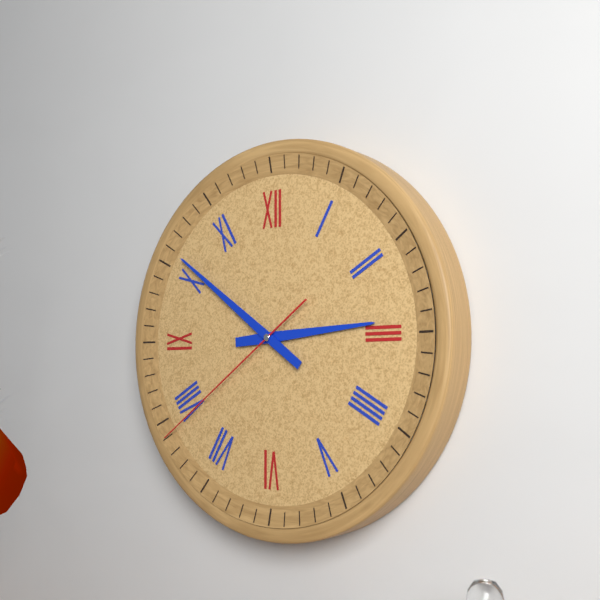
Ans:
2h51m39s
